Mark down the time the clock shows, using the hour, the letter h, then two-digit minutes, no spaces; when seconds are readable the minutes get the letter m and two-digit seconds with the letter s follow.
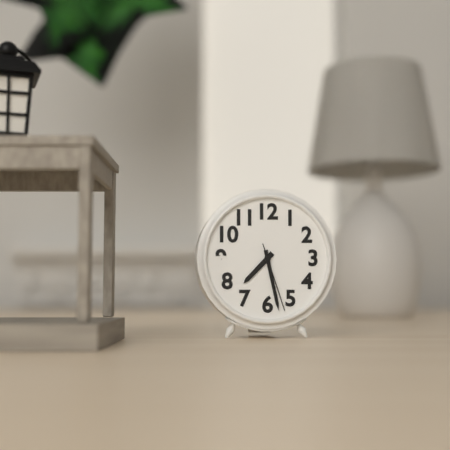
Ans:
7h28m27s
